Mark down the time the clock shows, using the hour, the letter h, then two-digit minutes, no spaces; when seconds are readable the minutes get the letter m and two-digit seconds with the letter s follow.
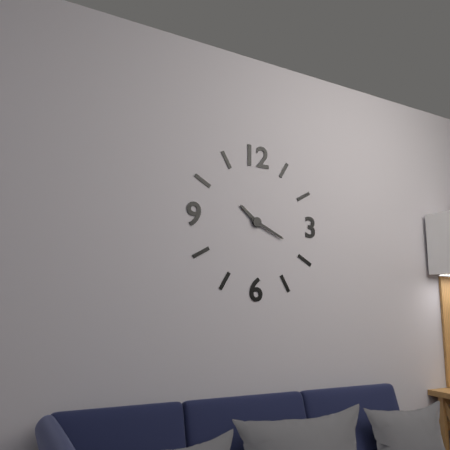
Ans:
10h19
